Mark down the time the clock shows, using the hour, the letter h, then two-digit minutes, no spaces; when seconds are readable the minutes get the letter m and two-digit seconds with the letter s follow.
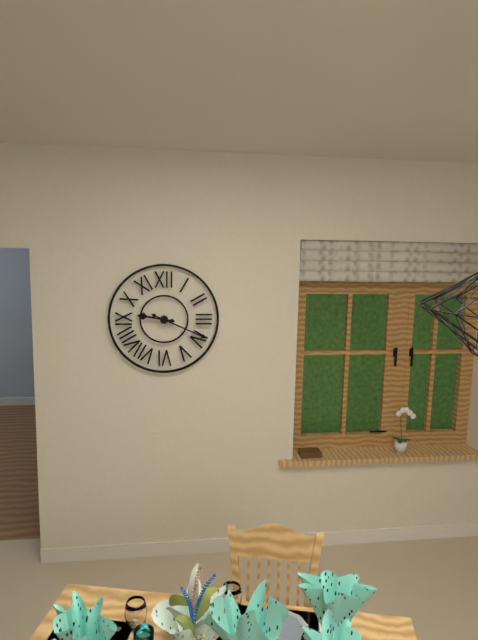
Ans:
9h19
